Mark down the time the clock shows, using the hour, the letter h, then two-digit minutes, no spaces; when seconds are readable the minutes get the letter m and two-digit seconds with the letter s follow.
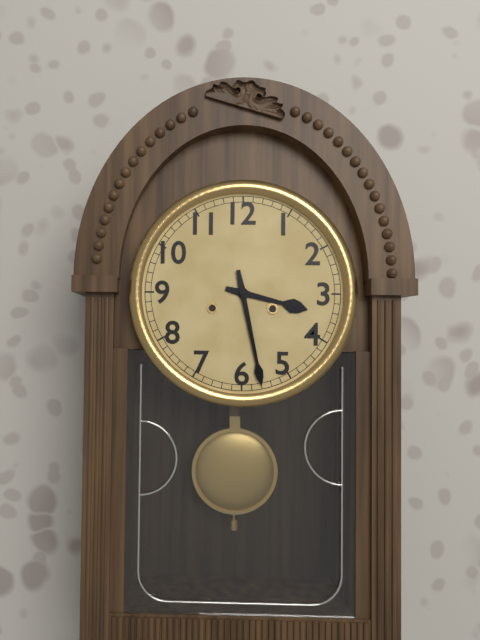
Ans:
3h28
